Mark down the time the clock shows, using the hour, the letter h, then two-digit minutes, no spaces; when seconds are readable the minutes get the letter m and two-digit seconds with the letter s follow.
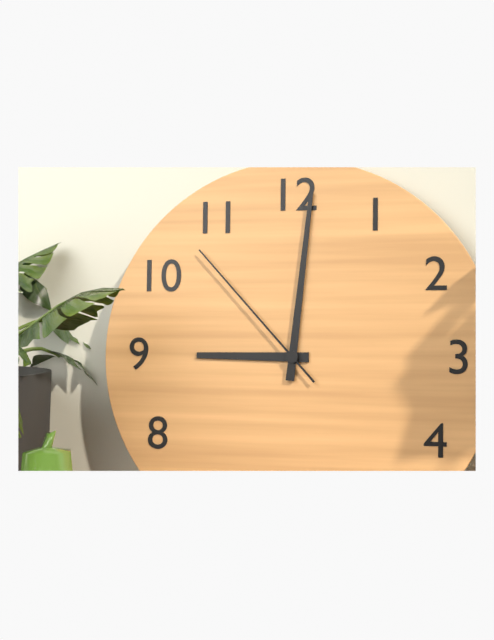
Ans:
9h01m53s
